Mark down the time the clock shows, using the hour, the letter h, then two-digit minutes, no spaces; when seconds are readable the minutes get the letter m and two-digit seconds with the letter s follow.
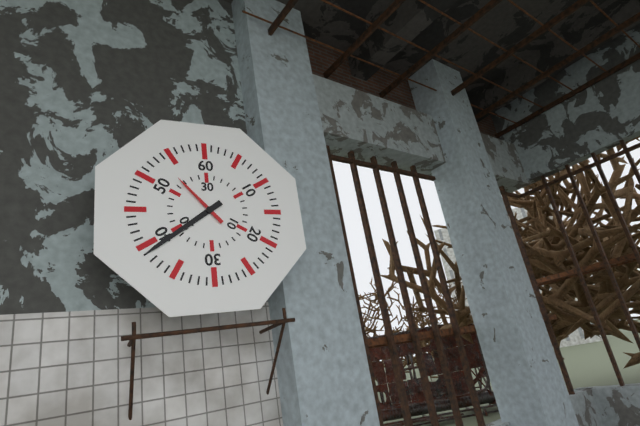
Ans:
10h39
